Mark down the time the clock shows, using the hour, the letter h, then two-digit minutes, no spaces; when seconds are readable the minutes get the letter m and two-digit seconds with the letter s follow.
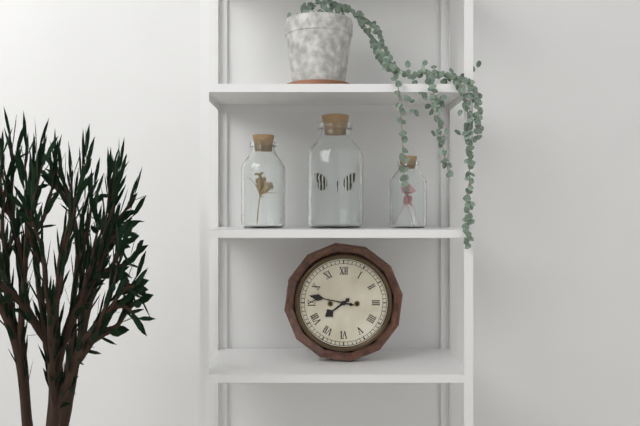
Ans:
7h47
